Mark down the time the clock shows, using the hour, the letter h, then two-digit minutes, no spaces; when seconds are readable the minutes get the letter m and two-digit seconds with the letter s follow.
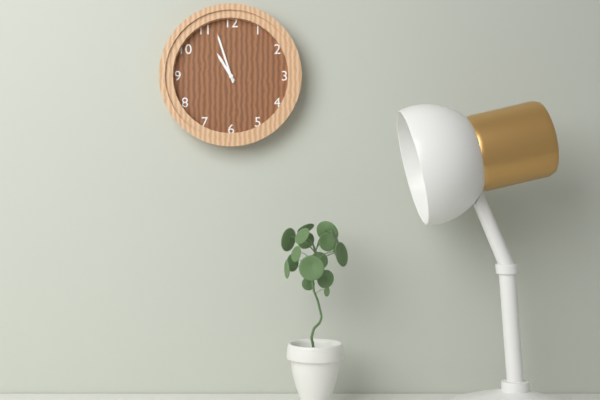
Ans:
10h57
